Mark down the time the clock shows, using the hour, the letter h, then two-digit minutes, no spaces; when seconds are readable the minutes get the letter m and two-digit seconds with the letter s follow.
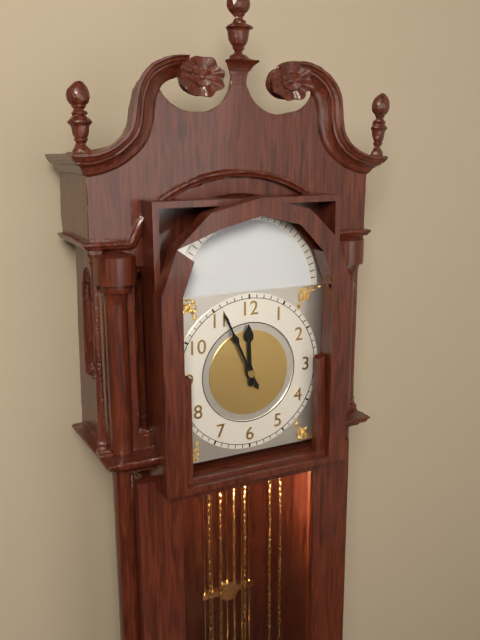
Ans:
11h56
